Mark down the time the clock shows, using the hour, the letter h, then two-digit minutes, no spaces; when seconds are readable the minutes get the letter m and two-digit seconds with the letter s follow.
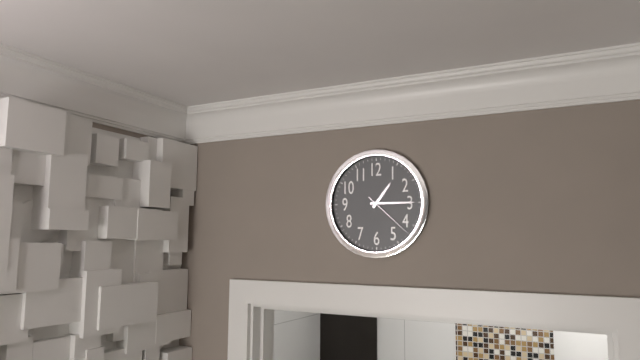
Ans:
1h15m22s
